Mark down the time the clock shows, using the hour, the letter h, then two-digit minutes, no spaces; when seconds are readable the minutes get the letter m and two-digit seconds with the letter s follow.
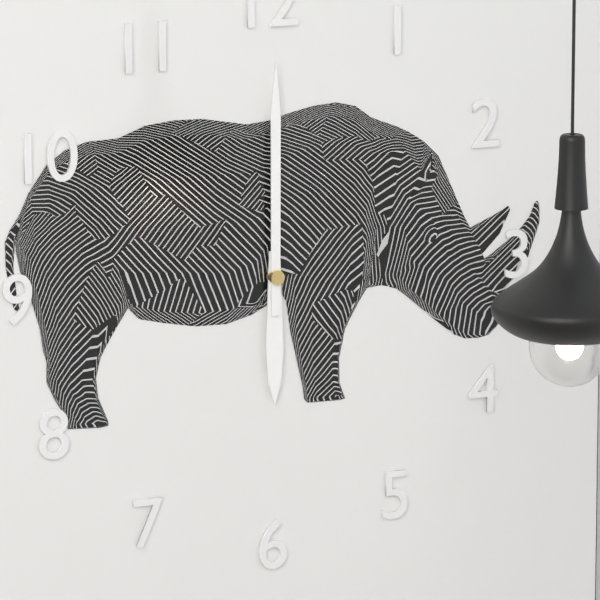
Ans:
6h00
